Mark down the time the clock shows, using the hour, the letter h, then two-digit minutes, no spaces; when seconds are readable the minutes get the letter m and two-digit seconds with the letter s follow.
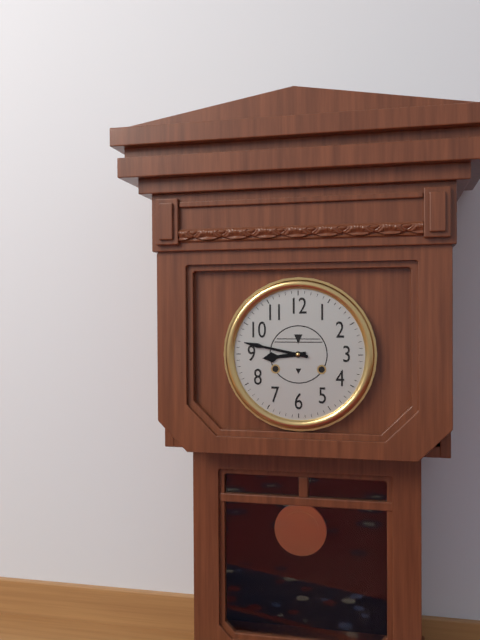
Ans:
8h47
